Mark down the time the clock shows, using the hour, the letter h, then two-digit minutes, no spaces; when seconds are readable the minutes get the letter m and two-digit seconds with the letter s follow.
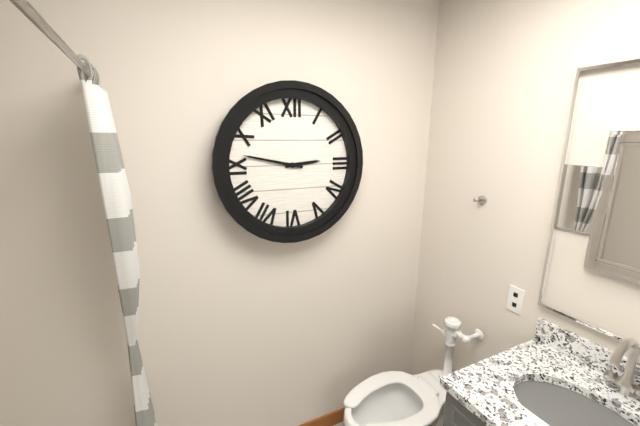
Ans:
2h47
